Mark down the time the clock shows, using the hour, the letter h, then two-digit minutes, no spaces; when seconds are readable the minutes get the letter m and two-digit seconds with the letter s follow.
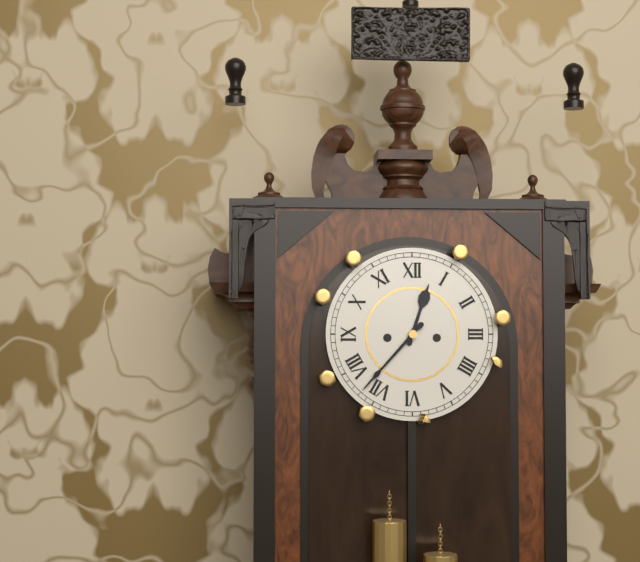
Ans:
12h37
